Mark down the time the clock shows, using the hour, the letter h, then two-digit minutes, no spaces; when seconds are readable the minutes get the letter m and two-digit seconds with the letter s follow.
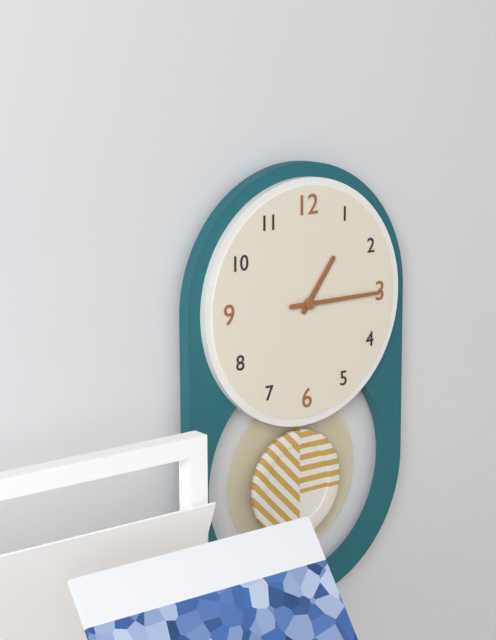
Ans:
1h15
